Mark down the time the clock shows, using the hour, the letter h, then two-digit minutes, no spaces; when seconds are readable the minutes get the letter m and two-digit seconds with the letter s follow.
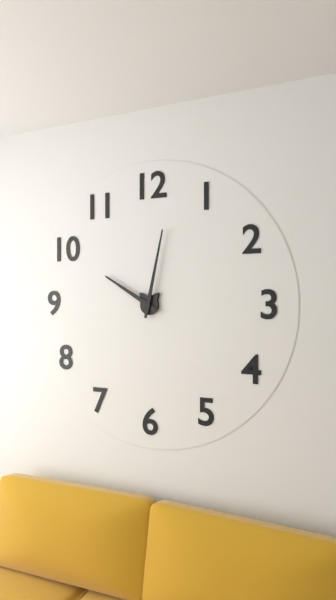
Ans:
10h02
